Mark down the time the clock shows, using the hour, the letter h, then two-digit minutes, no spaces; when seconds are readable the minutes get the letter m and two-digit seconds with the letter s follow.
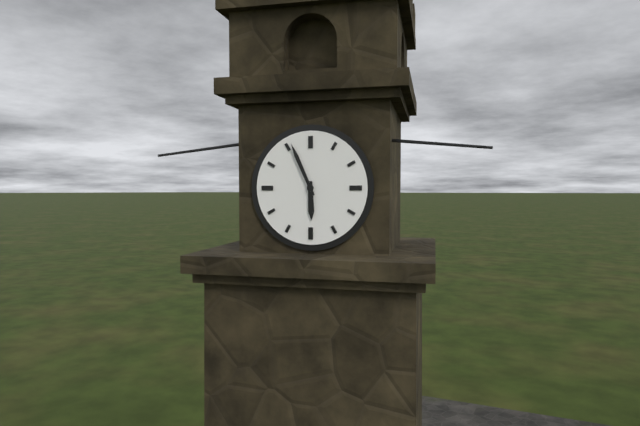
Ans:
5h56
